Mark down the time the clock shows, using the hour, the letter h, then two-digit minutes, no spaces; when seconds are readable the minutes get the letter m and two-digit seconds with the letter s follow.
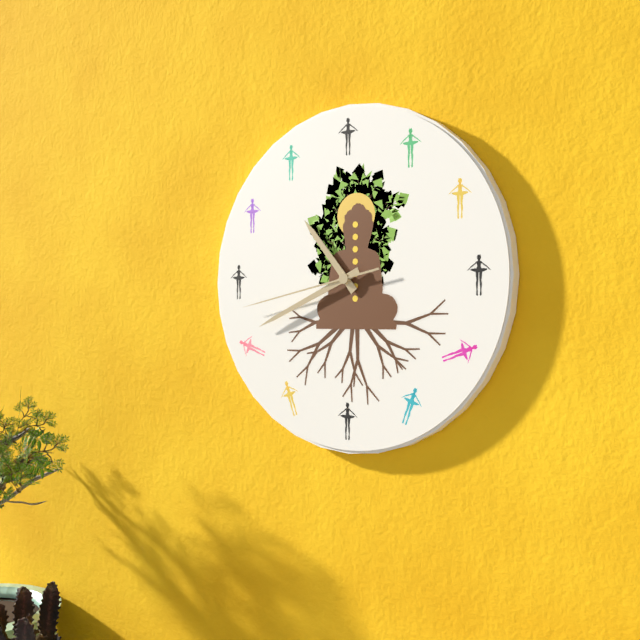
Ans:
10h41m43s
